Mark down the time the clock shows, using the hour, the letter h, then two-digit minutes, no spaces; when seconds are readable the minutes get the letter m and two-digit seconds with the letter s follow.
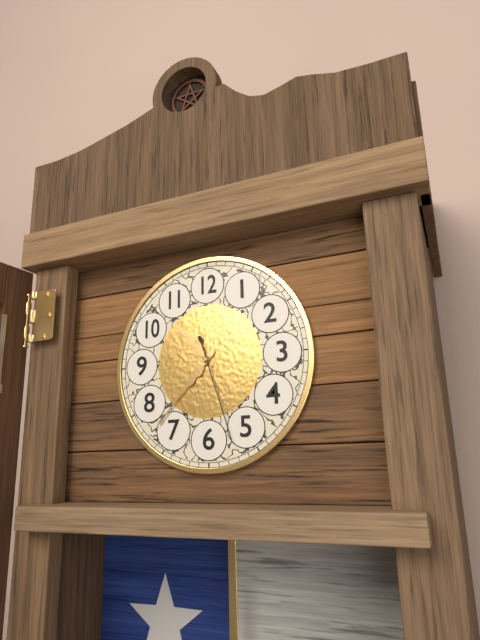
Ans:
10h37m27s
